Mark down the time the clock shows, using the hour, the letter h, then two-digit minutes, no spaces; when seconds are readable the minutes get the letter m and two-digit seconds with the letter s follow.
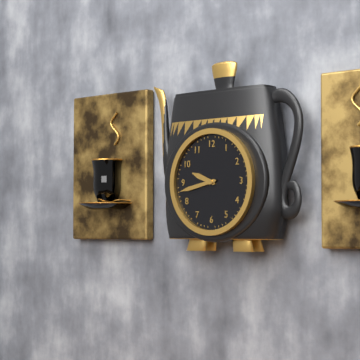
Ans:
9h43
